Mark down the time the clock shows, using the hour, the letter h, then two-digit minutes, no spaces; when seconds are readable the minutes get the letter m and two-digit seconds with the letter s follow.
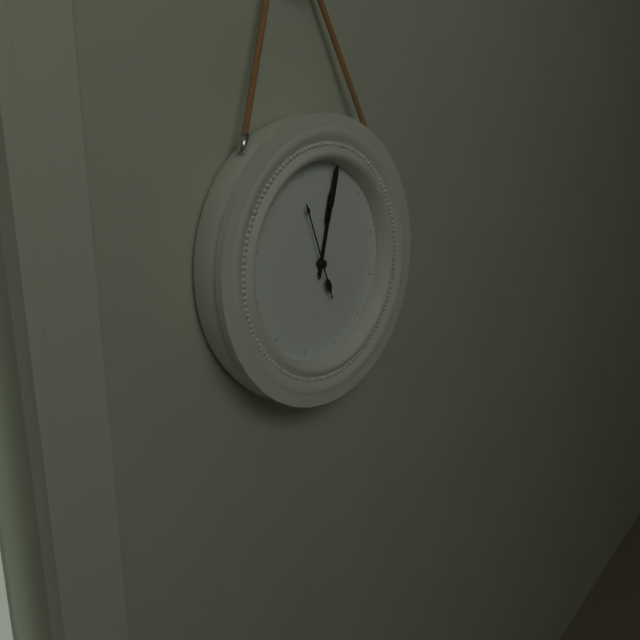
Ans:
12h00m54s
